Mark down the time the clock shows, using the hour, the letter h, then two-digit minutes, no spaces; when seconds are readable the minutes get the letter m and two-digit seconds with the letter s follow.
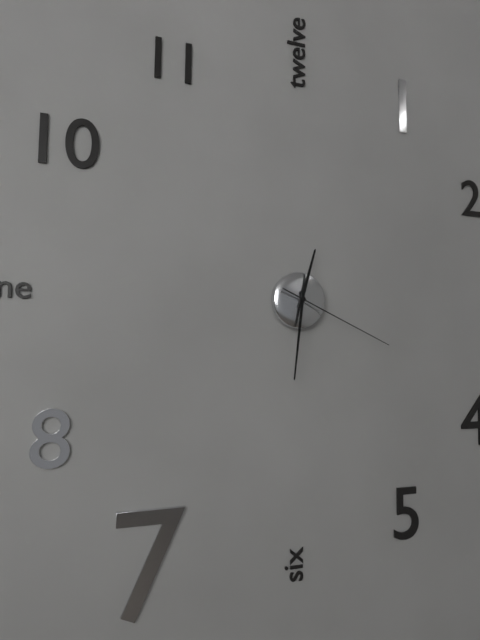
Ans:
12h31m19s
